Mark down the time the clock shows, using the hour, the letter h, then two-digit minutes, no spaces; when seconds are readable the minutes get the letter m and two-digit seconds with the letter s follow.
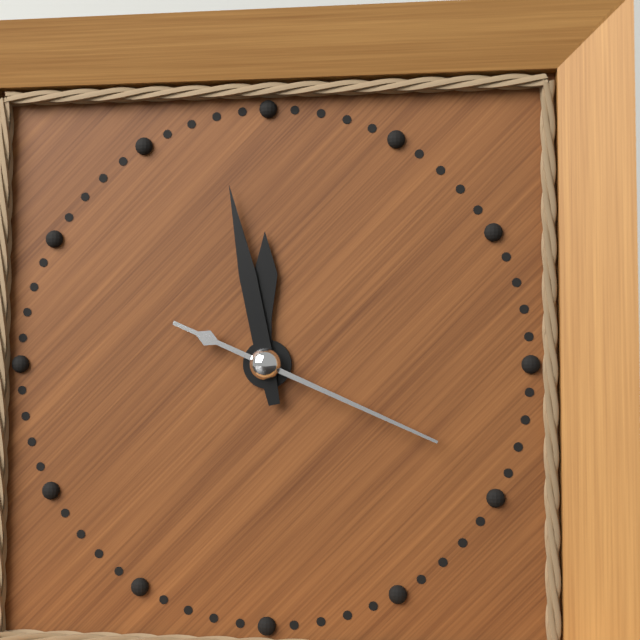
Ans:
11h58m19s
